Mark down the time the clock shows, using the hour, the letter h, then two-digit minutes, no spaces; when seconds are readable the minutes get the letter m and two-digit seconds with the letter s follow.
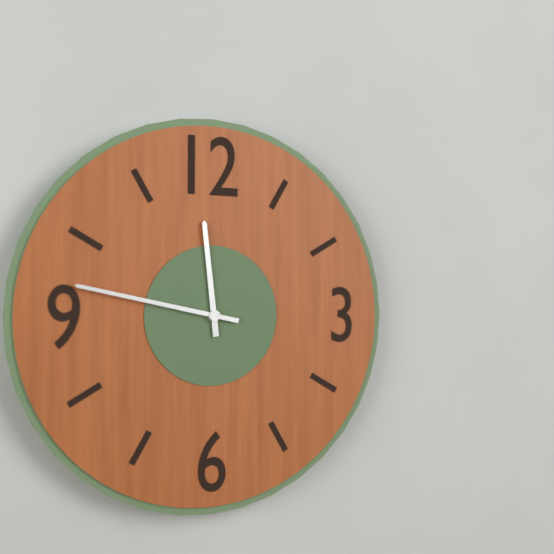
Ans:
11h47
